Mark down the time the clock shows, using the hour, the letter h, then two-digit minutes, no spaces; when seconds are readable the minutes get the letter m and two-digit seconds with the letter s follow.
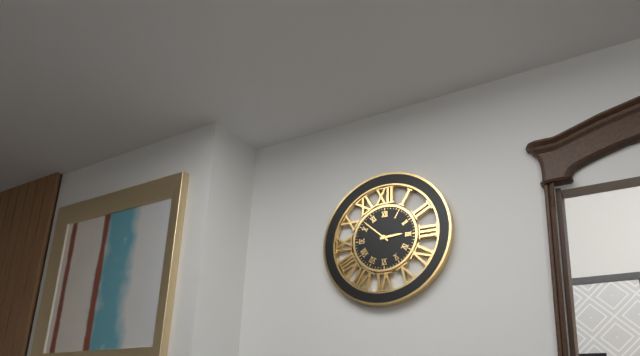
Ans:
2h52
